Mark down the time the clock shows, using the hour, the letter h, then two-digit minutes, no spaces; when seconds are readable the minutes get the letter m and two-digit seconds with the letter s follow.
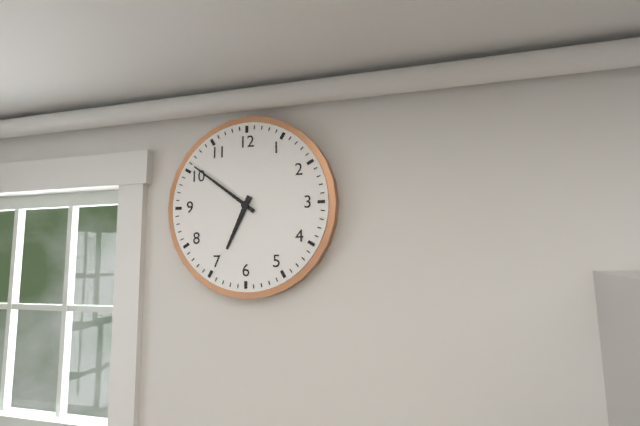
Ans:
6h51
